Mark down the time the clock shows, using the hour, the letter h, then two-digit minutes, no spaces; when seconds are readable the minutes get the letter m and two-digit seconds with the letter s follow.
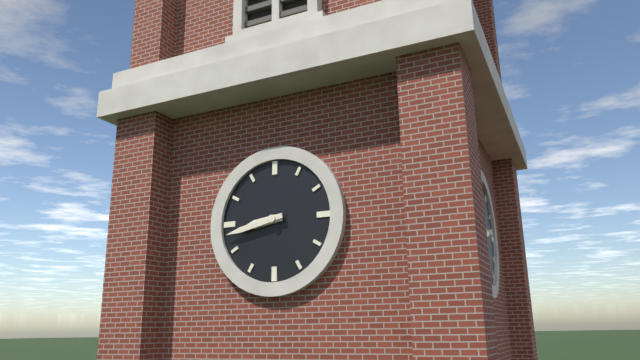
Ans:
8h43
